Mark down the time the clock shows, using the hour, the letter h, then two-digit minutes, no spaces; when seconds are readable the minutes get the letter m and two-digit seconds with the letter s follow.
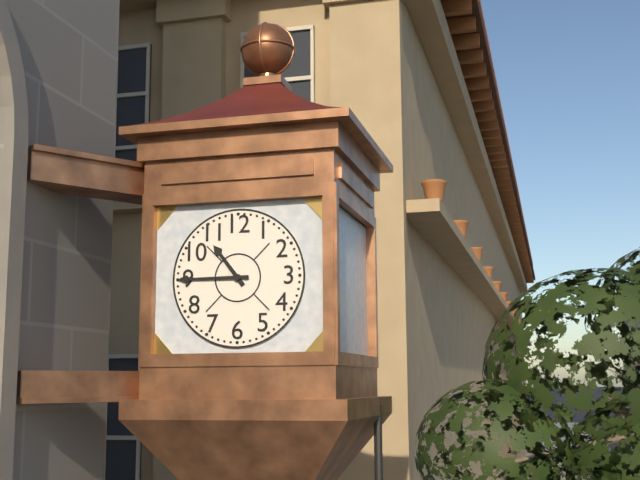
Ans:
10h45
